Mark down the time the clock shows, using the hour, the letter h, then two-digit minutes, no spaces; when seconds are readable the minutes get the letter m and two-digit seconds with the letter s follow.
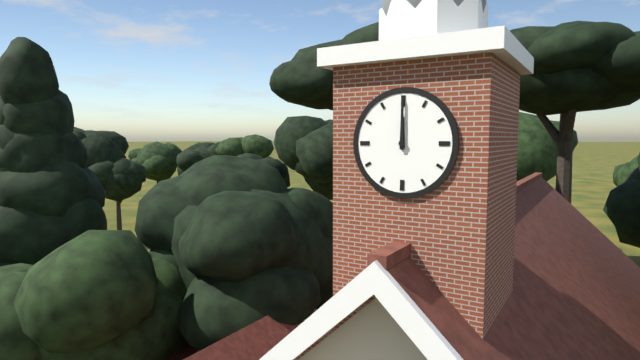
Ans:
12h00
